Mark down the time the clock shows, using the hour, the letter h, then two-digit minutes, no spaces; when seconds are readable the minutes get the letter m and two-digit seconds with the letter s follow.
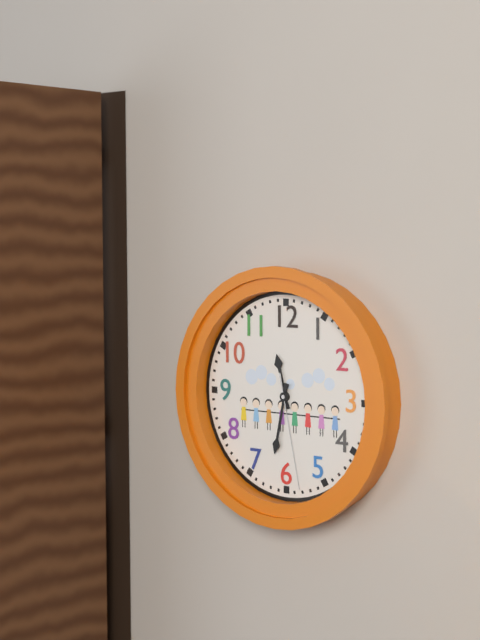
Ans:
11h32m28s
